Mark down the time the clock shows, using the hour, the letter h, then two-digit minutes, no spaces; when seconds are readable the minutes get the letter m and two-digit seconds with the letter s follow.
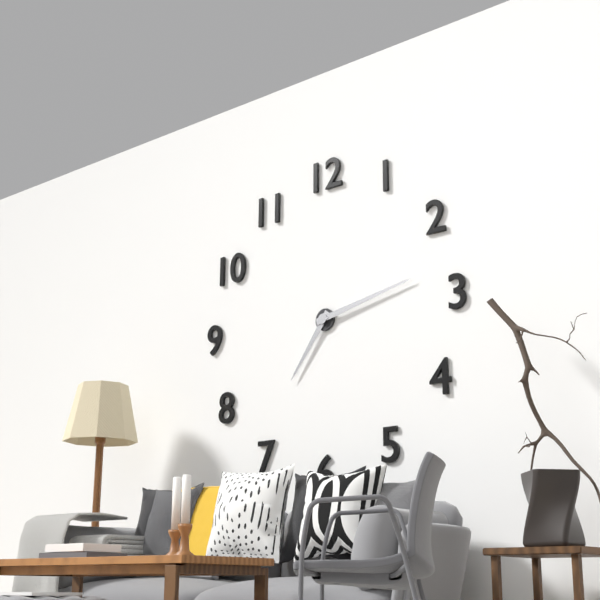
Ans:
7h13
